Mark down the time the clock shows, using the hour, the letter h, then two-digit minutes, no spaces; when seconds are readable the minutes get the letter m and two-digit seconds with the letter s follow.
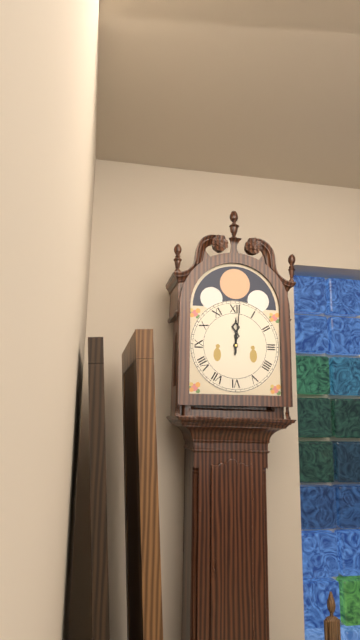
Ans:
12h01
